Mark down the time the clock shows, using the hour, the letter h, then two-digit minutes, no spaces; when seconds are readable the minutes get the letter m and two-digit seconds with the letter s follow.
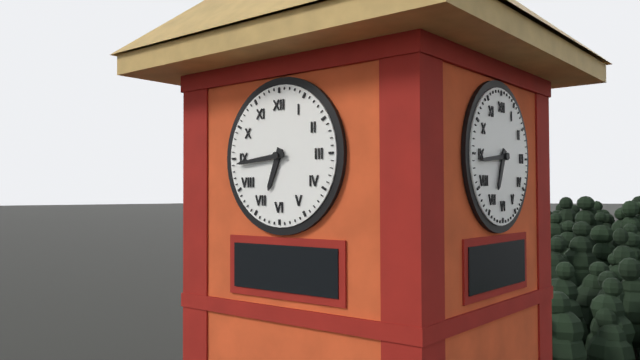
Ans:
6h44
